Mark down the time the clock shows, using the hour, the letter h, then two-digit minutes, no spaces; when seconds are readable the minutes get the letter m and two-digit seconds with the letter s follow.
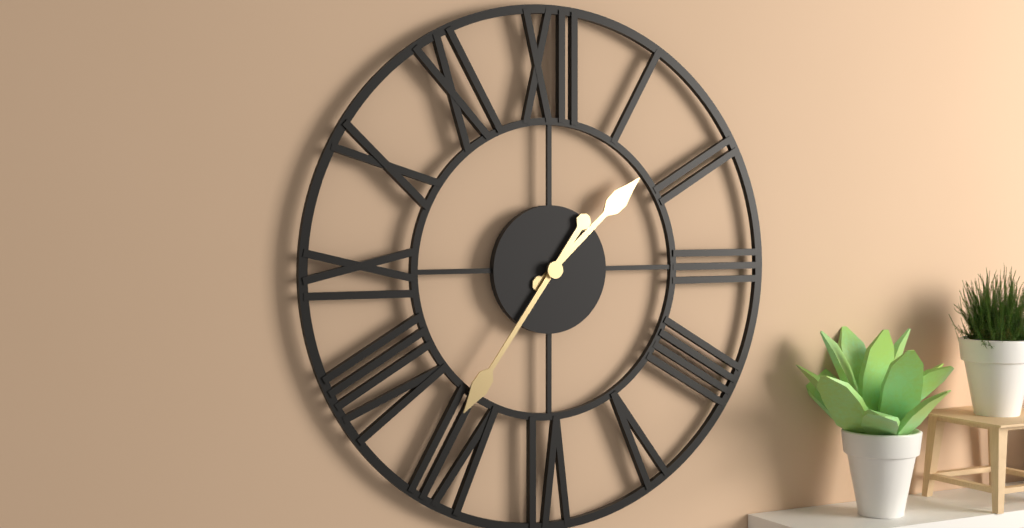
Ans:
1h36
